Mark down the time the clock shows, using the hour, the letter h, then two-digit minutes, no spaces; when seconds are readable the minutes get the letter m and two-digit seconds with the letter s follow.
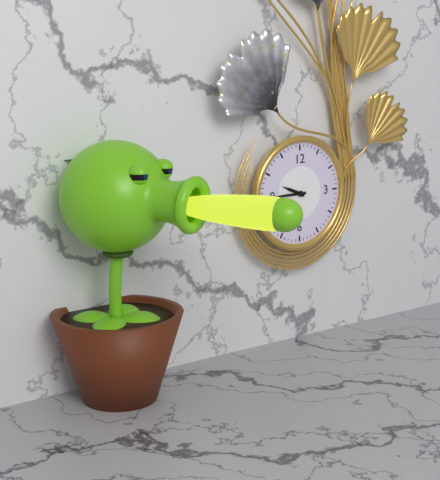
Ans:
9h45
